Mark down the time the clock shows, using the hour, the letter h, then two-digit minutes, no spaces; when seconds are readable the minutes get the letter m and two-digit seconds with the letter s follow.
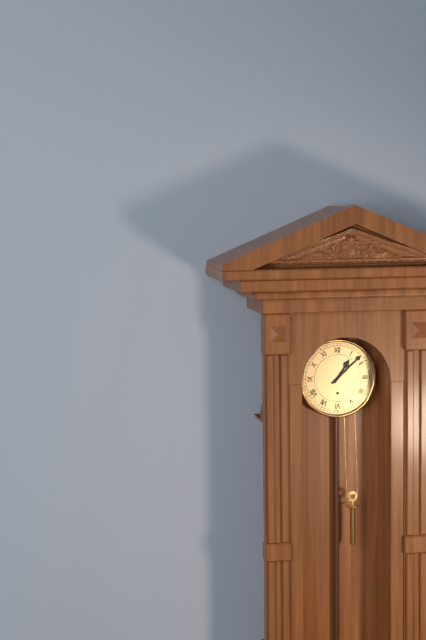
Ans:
1h08
